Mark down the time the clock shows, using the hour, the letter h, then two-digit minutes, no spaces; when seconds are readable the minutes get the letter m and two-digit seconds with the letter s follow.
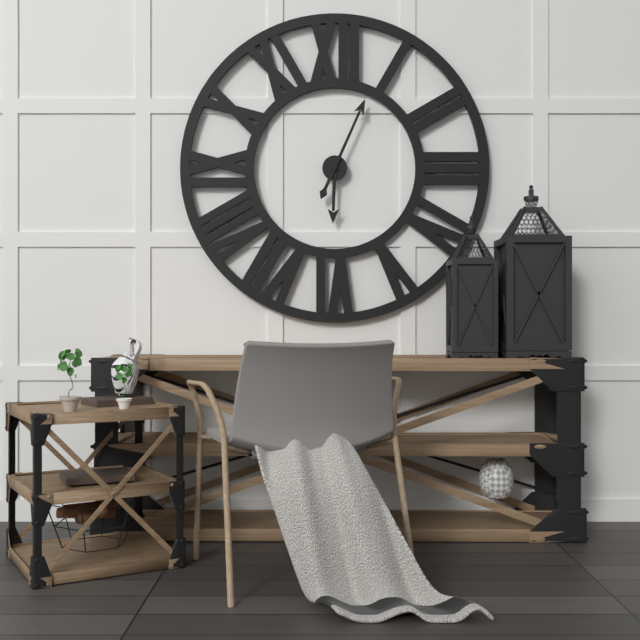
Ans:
6h04
